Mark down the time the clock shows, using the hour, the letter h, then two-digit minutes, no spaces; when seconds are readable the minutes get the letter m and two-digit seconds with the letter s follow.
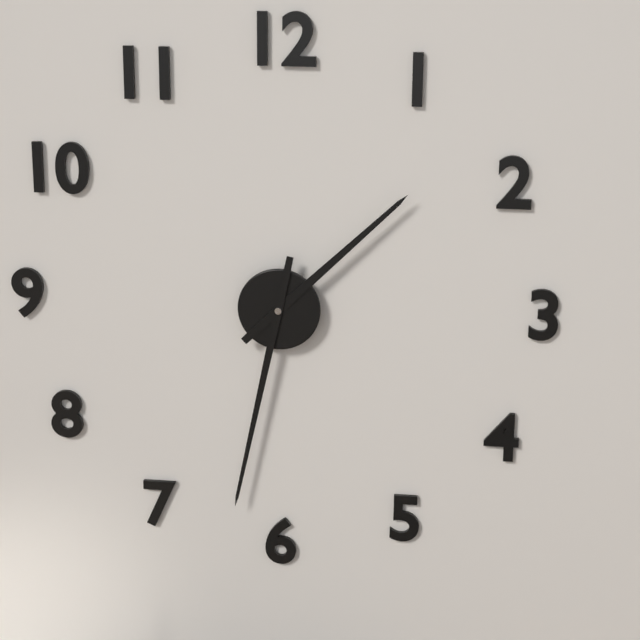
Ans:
1h32
